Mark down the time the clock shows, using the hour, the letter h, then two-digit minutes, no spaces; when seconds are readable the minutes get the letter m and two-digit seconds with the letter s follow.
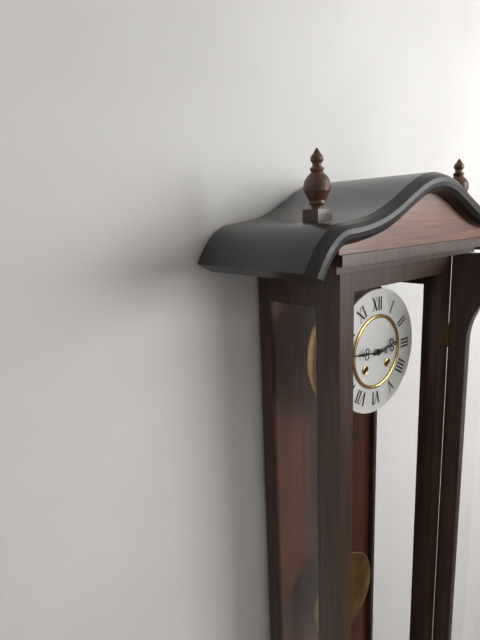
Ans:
2h46
